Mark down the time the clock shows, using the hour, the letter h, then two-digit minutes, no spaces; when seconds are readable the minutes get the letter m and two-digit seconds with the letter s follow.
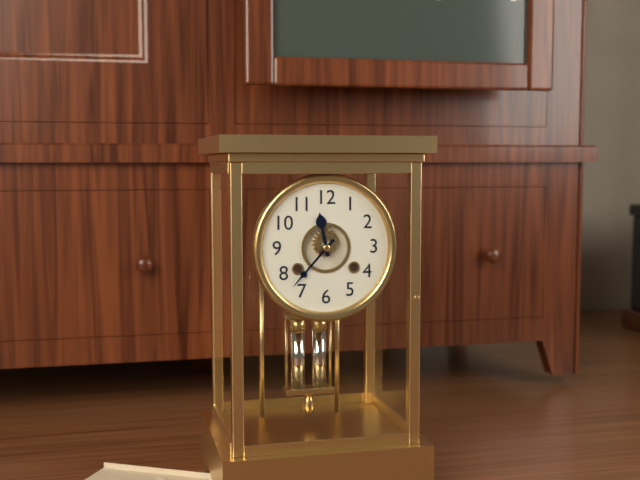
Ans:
11h37
